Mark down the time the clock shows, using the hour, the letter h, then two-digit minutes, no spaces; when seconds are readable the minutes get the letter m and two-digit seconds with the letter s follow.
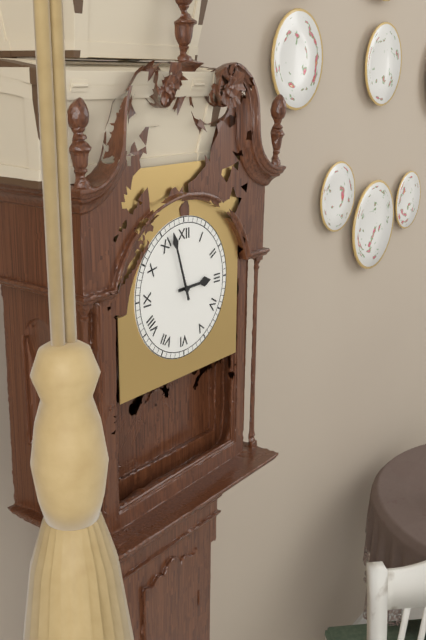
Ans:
2h57
